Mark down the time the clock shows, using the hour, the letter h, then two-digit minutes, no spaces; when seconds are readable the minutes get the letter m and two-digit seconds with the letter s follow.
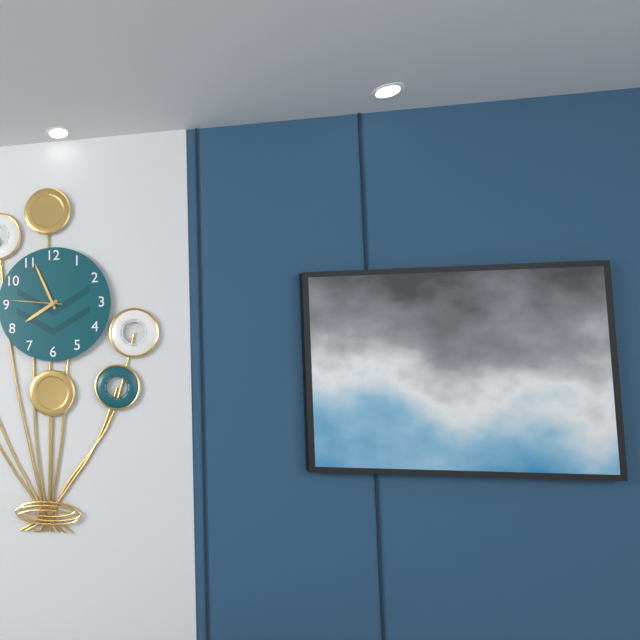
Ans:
7h56m46s
